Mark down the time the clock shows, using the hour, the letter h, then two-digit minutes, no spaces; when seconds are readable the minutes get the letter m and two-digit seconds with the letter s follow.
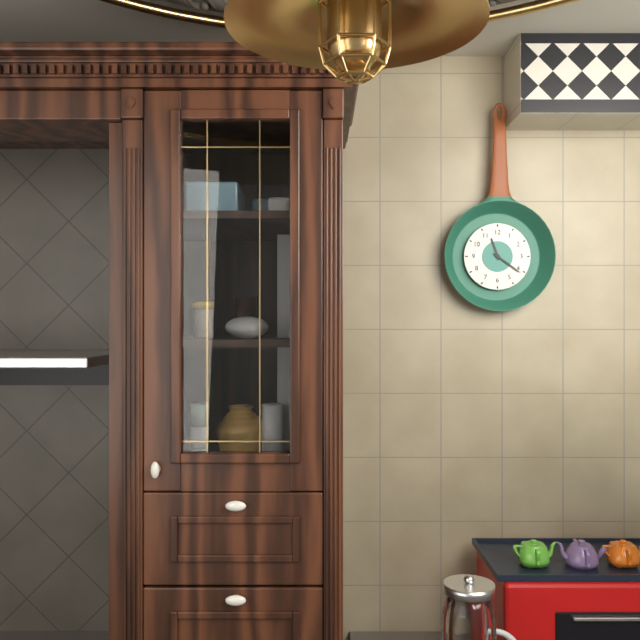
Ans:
11h21
